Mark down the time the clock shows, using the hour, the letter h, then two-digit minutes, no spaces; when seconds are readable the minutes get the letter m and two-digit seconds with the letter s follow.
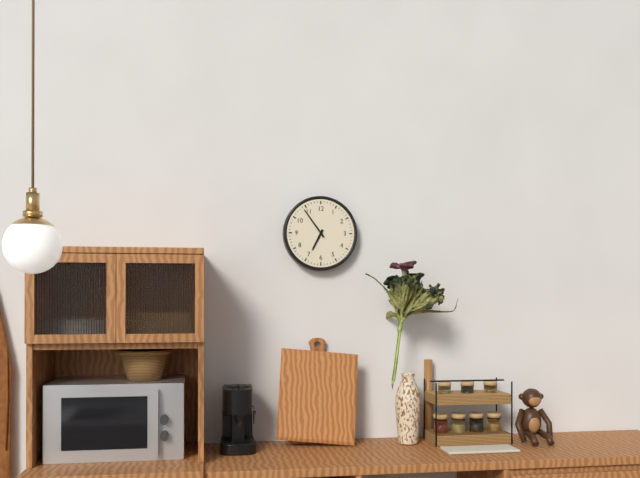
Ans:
6h54
